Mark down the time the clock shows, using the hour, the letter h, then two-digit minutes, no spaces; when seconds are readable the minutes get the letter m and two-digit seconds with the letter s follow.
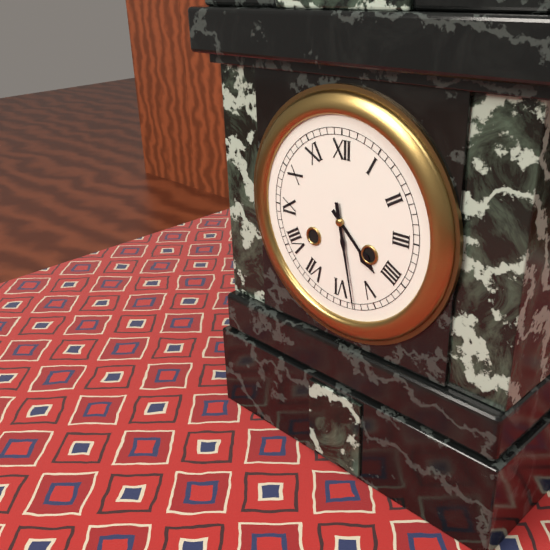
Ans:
4h28
